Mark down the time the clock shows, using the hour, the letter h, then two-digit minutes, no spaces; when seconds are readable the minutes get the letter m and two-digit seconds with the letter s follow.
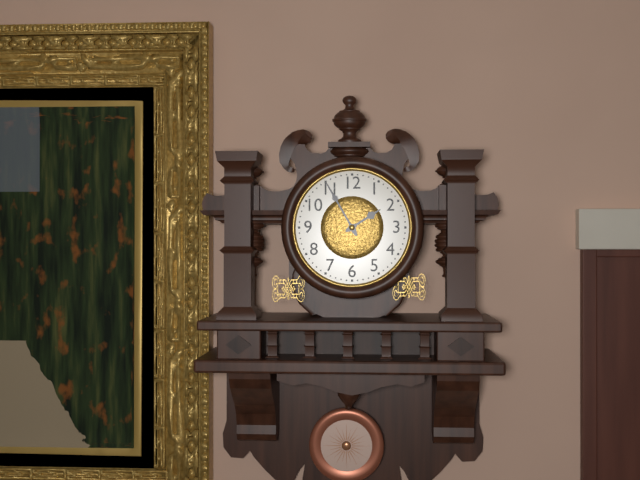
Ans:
1h55
